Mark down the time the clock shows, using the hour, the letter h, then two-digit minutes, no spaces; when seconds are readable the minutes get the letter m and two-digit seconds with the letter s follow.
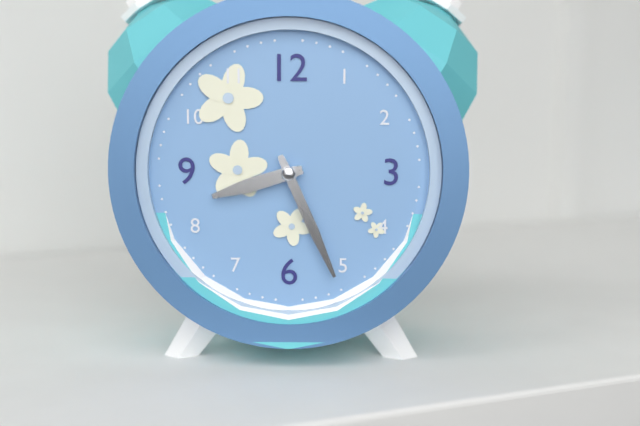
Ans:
8h26
